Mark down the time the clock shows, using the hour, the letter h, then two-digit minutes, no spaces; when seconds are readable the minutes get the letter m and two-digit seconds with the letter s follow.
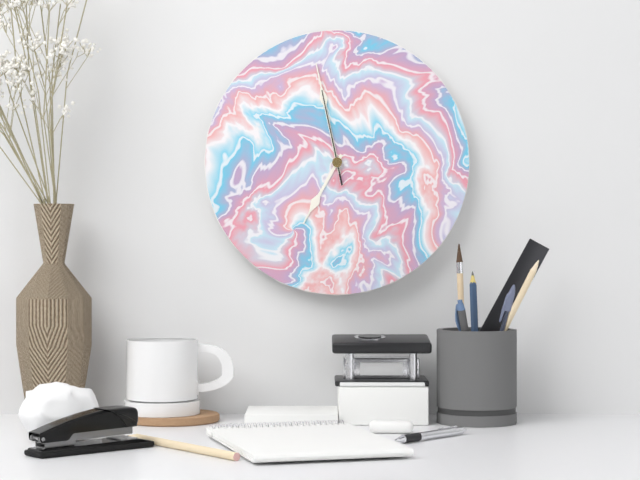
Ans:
6h58m58s
